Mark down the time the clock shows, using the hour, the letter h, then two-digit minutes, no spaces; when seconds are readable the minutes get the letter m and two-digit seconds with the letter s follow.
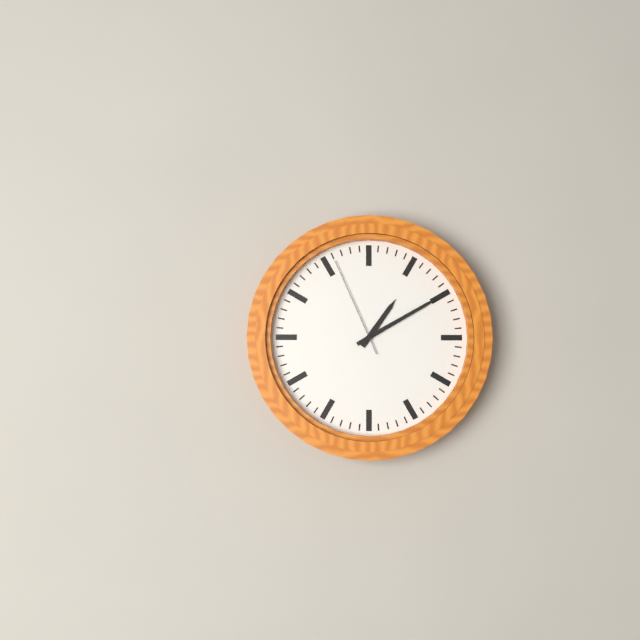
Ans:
1h10m56s
